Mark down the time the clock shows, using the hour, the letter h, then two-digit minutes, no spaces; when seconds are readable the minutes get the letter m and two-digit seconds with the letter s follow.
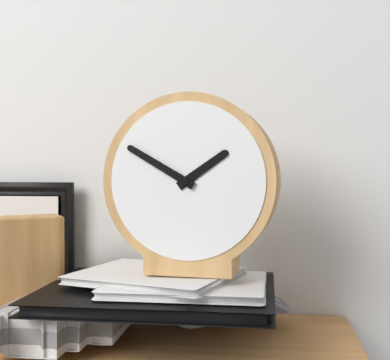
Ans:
1h50
